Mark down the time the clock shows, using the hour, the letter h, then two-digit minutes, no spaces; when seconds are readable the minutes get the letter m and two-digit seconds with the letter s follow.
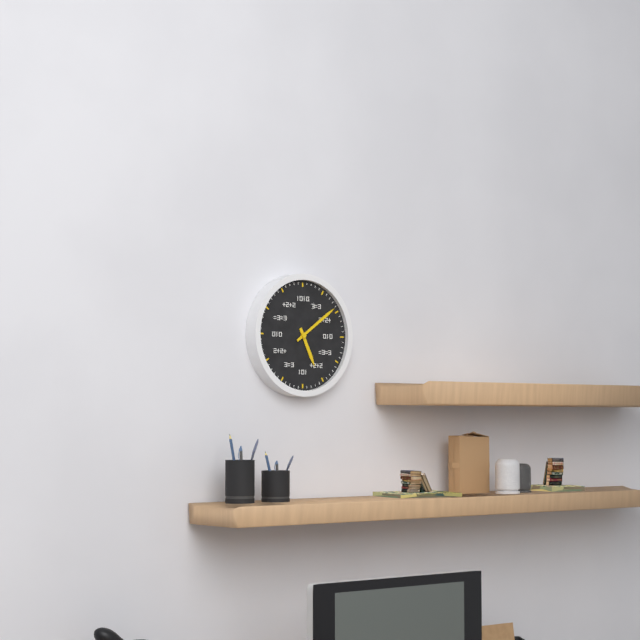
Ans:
5h09
